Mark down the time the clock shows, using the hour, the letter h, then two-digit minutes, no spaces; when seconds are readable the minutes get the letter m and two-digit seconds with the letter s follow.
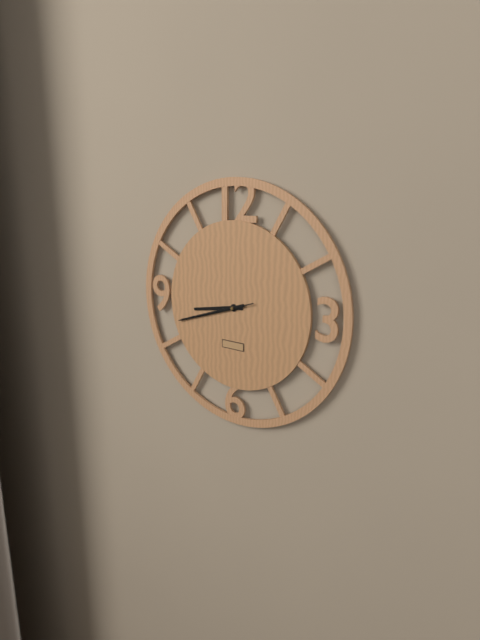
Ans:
8h42m42s
